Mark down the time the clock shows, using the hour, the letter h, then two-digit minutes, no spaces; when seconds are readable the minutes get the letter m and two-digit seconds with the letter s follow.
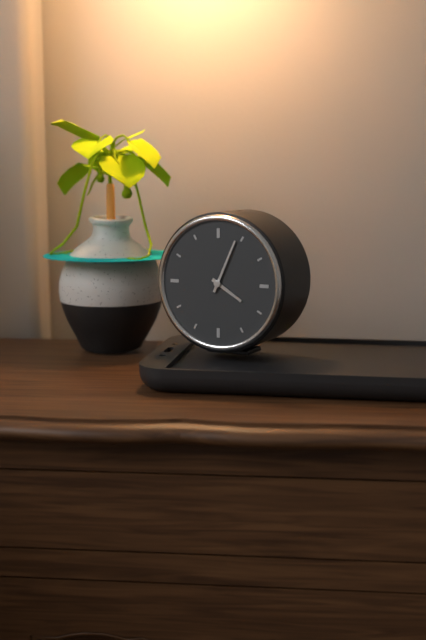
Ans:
4h04
